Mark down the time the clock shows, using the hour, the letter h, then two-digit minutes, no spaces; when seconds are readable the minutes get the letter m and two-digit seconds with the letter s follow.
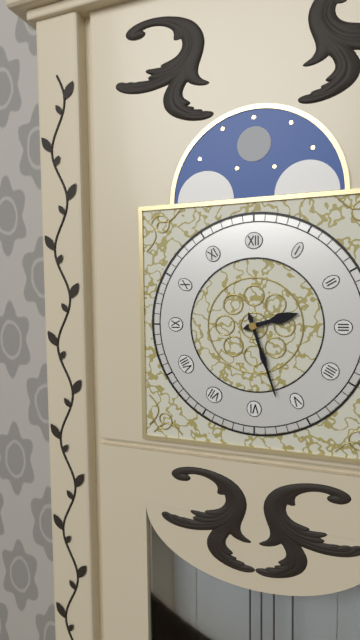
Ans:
2h27
